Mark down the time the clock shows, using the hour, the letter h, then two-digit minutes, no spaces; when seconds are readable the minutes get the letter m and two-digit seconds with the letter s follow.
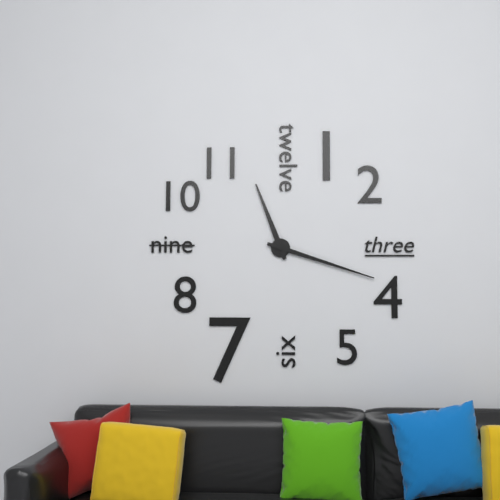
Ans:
11h18
